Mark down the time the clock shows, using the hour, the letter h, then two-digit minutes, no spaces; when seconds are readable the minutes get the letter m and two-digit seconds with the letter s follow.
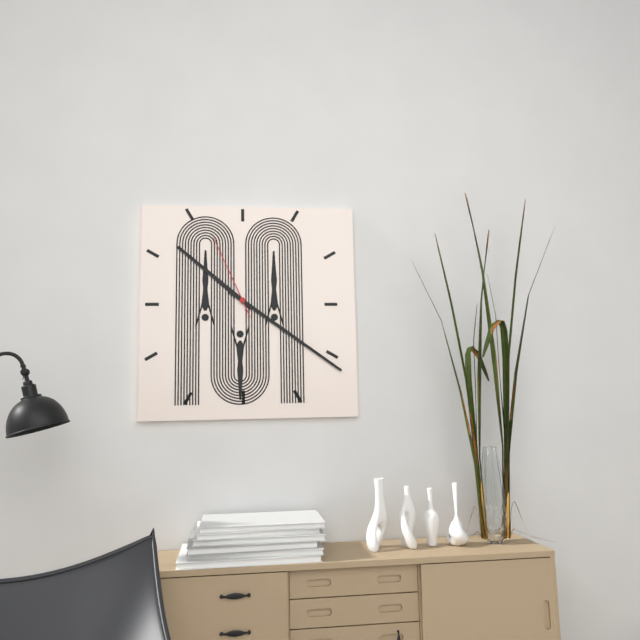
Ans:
10h21m56s
